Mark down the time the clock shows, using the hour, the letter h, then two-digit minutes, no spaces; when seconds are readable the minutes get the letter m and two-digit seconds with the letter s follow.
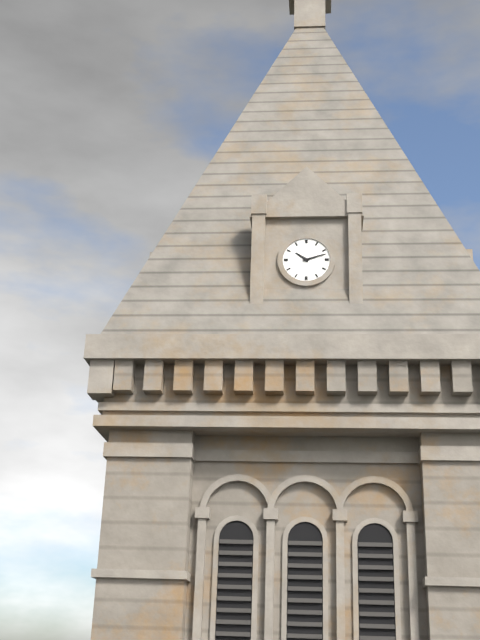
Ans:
10h12
